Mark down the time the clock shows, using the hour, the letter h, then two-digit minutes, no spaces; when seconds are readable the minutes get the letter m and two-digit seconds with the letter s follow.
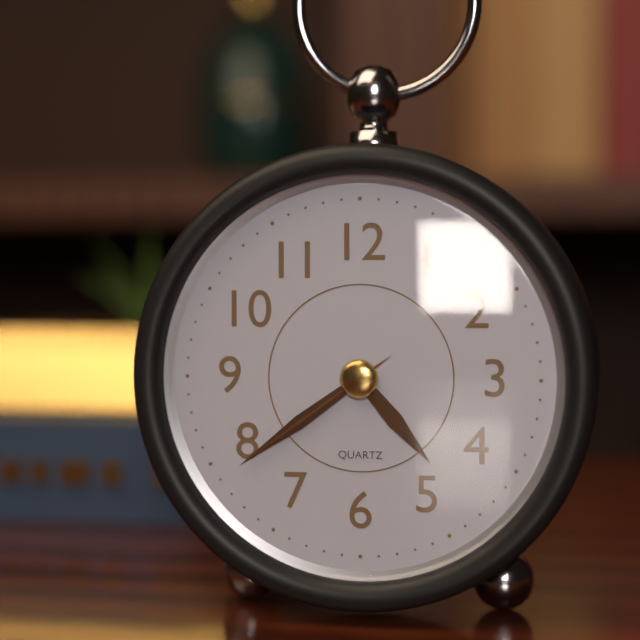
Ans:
4h39m39s
